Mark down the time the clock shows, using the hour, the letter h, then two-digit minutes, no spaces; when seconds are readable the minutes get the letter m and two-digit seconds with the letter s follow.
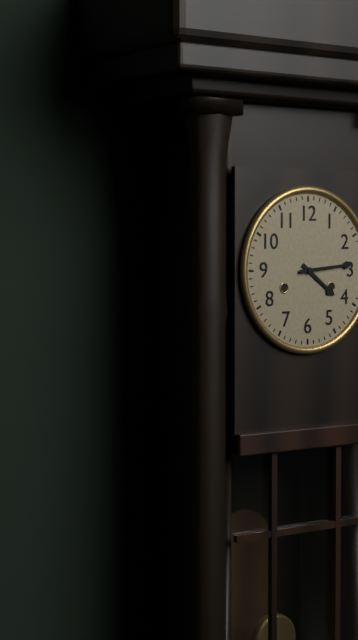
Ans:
4h14
